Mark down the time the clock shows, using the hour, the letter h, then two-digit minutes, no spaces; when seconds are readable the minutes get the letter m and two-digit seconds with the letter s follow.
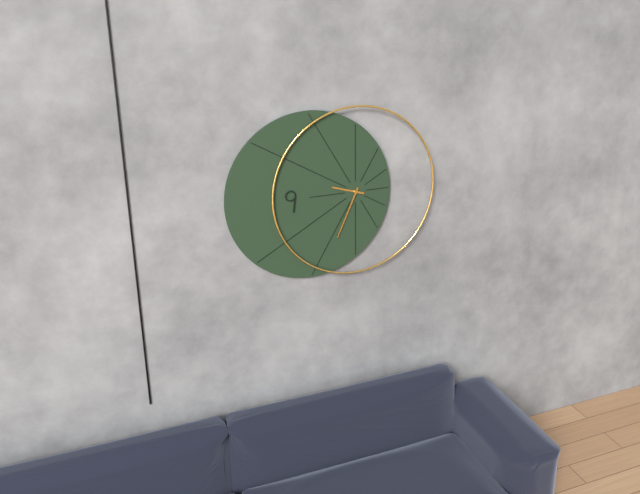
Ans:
9h34
